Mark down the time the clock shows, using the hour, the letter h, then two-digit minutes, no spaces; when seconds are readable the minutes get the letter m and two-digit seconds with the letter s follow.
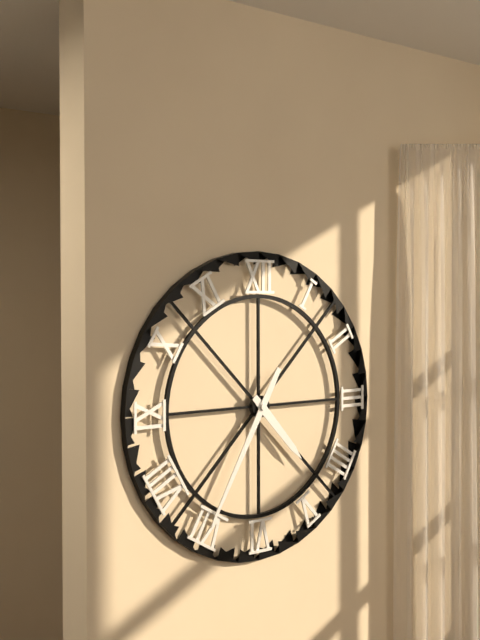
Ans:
4h35
